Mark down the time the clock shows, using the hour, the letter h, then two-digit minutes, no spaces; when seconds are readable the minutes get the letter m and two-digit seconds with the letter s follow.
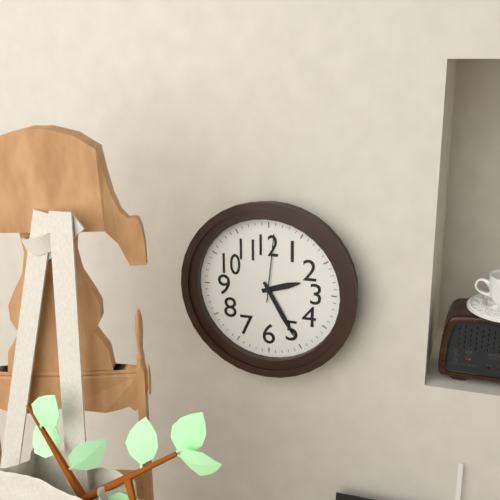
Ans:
2h25m01s
